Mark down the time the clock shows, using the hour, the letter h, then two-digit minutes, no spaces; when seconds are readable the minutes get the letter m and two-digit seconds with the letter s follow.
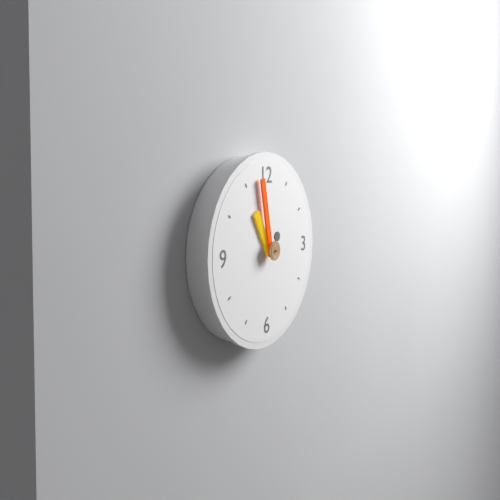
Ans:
10h58
